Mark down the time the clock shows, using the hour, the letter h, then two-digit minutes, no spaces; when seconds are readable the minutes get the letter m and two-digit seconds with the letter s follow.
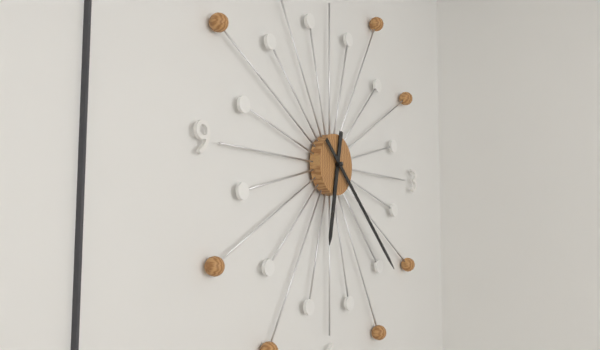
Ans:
6h22
